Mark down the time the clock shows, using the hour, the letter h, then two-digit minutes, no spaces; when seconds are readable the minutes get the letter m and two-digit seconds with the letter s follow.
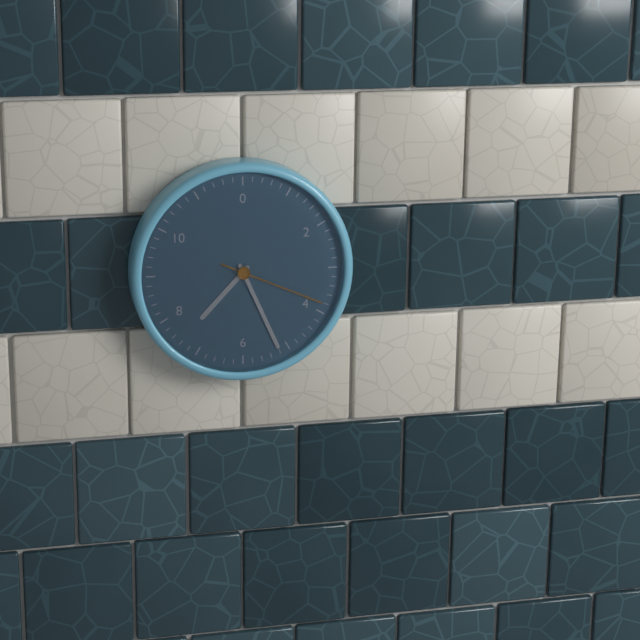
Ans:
7h26m19s
